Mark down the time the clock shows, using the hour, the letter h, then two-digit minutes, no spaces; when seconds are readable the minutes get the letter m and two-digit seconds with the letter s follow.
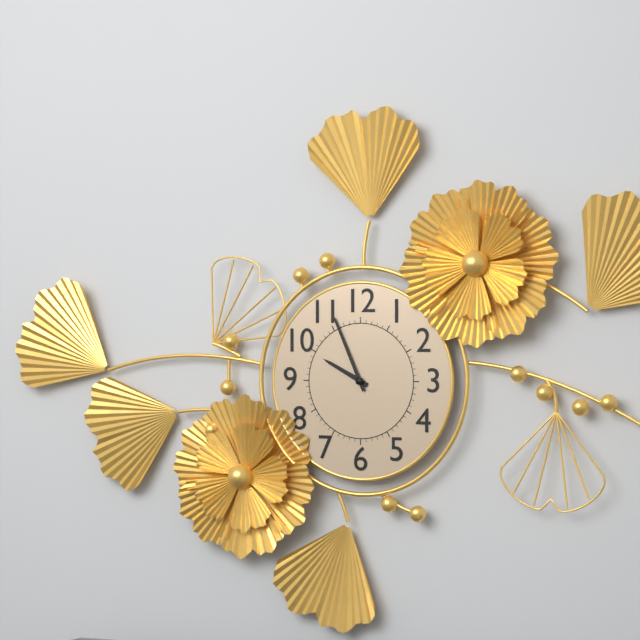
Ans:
9h56
